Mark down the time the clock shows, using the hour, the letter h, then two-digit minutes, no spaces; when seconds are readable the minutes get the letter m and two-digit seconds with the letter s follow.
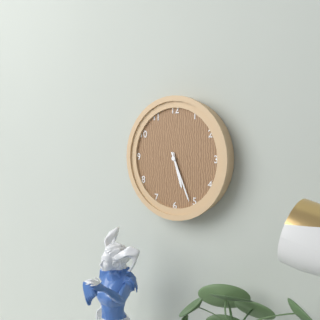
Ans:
5h26
